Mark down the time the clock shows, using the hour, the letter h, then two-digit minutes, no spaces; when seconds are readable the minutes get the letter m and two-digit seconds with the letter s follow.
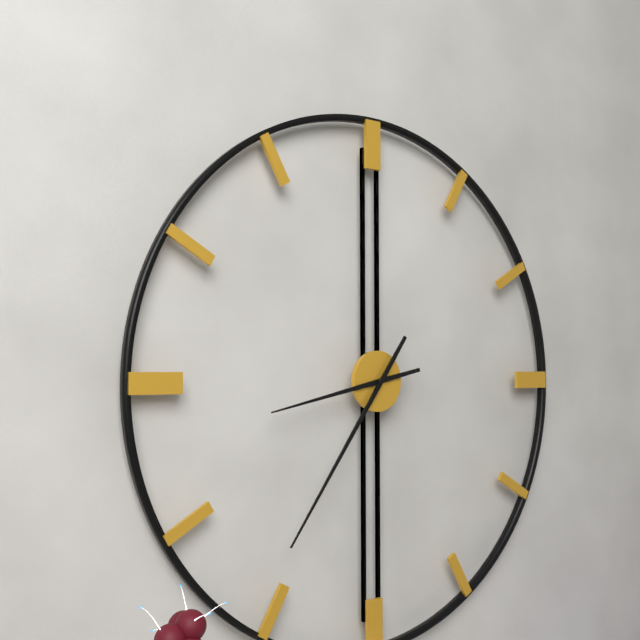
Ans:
8h36
